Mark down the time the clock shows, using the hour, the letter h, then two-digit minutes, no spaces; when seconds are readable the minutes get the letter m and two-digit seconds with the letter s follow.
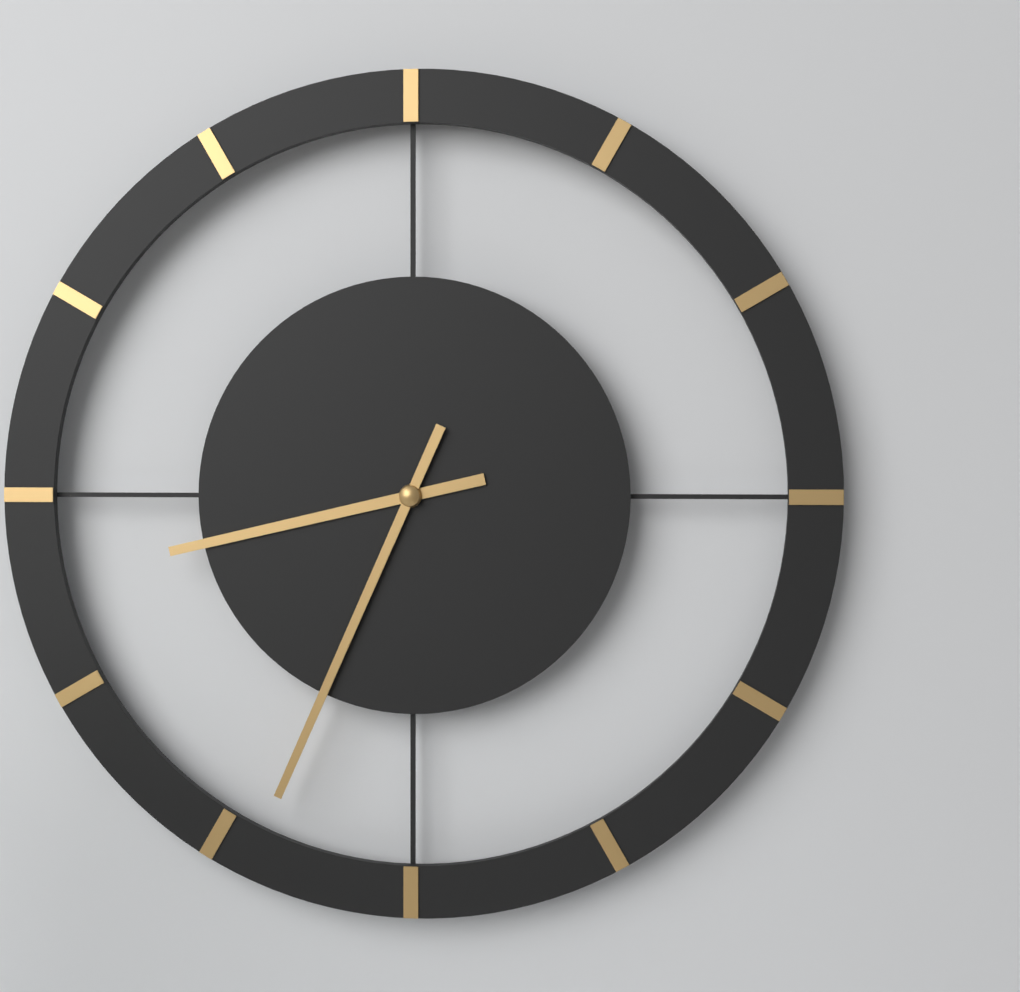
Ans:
8h34
